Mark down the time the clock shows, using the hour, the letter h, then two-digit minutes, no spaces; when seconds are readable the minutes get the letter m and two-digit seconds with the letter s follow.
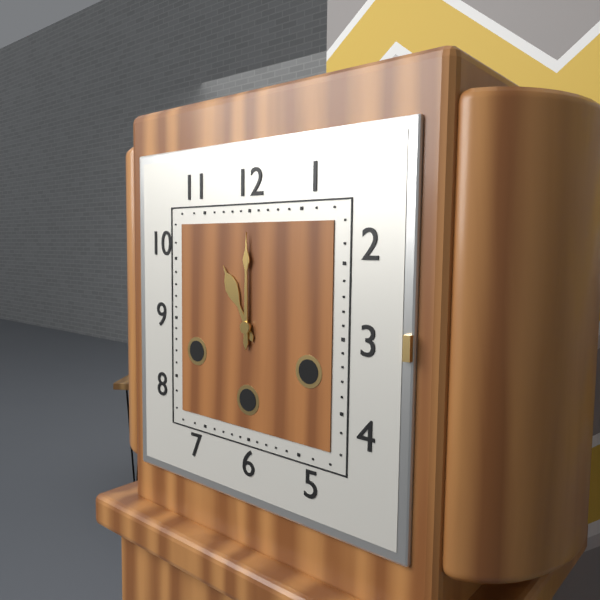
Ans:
11h00
